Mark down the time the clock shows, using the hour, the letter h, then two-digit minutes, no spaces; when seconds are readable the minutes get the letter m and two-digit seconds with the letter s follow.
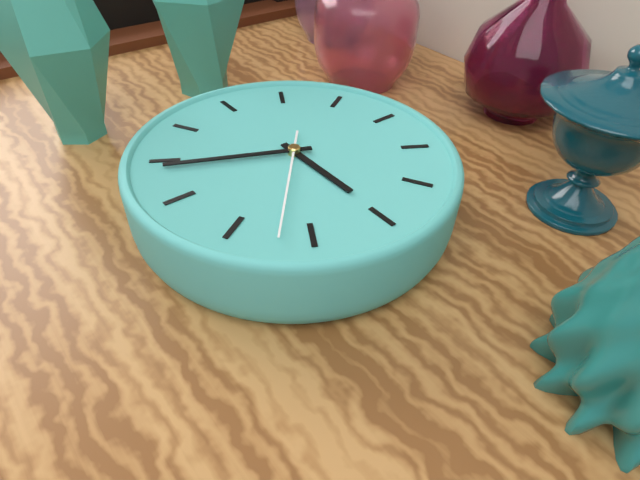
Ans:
7h59
